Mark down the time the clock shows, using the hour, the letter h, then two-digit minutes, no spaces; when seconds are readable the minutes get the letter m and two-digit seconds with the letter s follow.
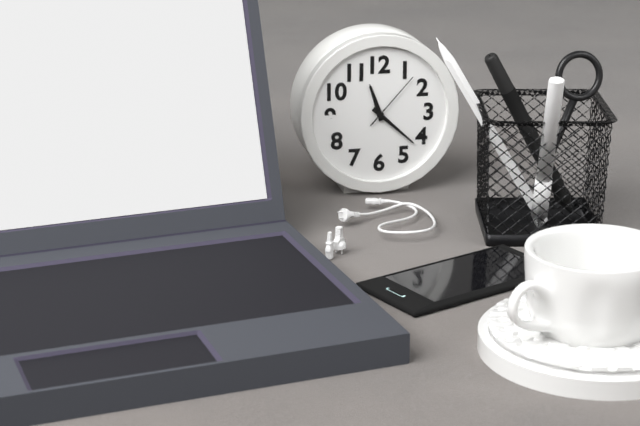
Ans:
11h22m07s
